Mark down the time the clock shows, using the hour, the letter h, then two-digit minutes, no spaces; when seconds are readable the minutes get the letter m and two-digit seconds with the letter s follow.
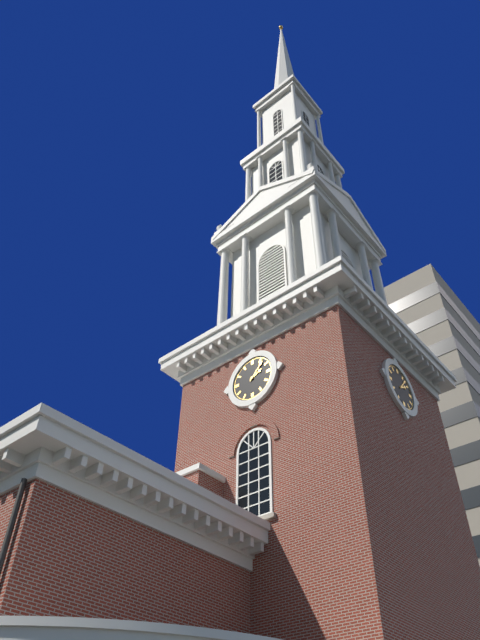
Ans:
2h07
